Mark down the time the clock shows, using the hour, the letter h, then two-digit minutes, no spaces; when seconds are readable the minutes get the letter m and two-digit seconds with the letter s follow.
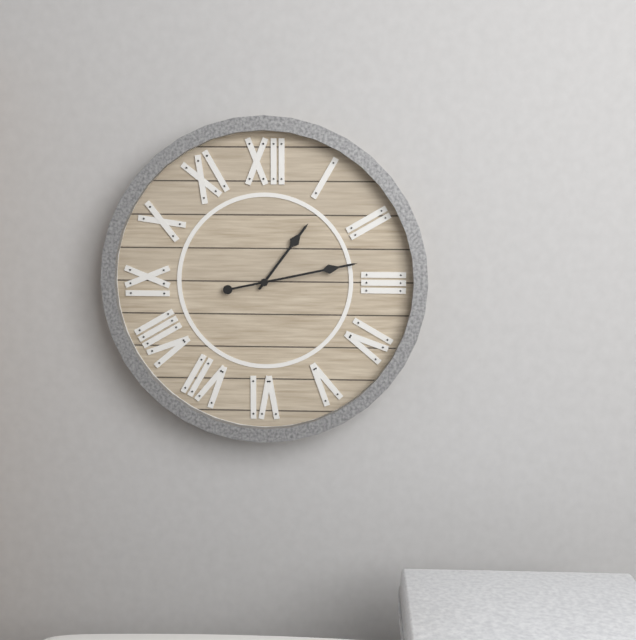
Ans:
1h13
